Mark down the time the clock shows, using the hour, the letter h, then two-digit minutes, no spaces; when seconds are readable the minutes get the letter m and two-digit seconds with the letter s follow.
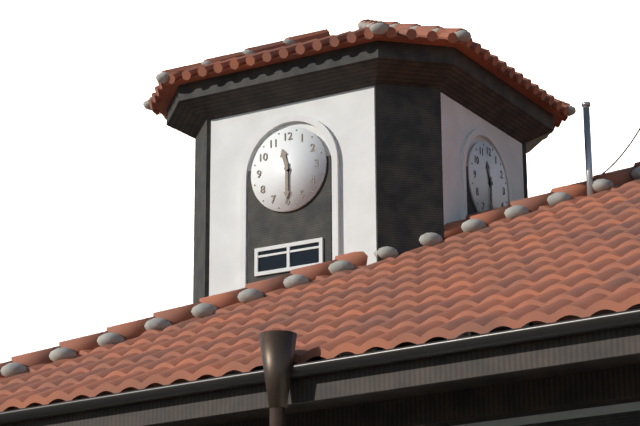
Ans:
11h30
